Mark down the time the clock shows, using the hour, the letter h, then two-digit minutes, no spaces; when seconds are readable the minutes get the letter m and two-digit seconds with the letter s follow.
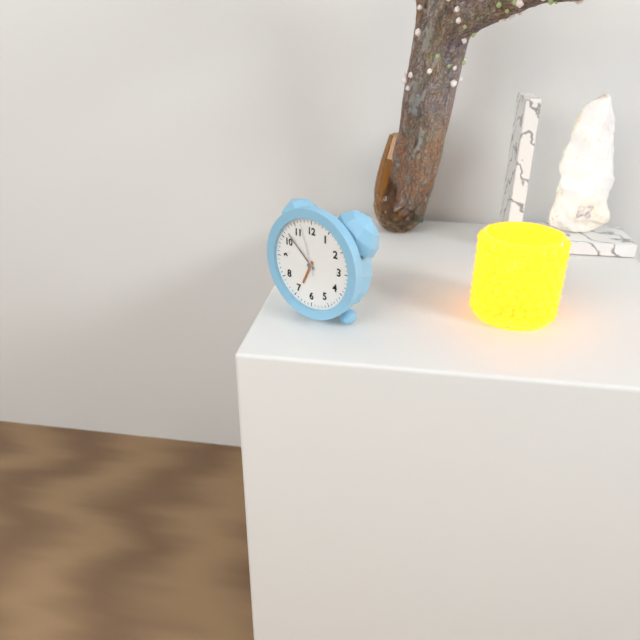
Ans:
6h52m57s
